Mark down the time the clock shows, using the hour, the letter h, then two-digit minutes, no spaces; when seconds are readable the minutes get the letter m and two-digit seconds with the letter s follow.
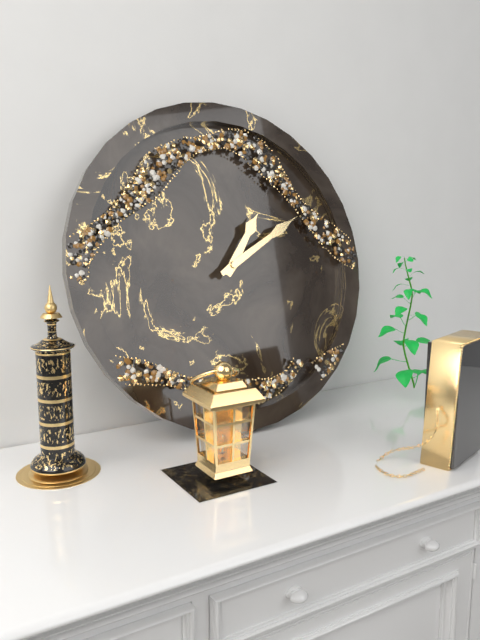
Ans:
1h10
